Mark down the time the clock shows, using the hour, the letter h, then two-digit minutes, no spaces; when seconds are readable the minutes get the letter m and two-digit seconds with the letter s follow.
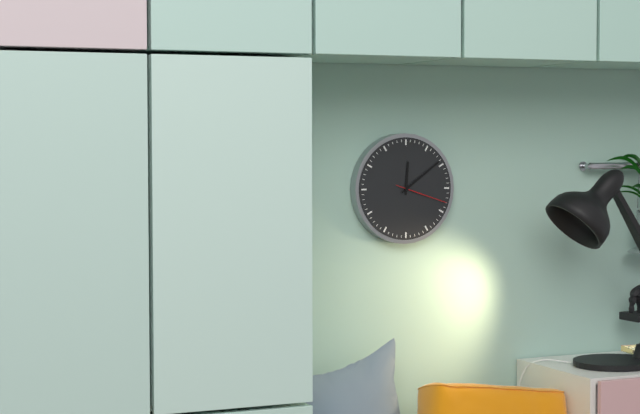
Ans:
12h09m18s
